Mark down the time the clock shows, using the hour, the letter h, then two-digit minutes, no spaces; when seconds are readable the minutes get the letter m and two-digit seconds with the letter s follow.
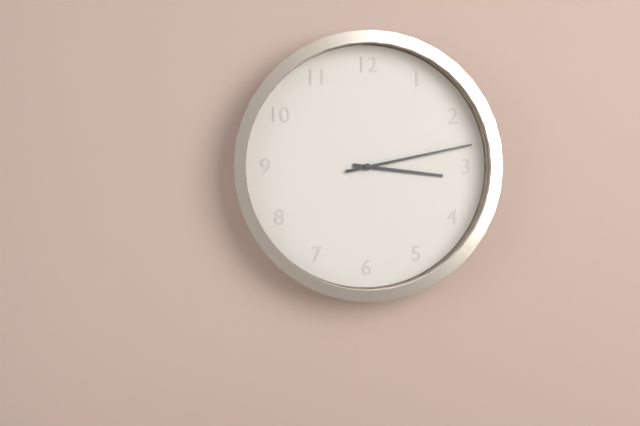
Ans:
3h13
